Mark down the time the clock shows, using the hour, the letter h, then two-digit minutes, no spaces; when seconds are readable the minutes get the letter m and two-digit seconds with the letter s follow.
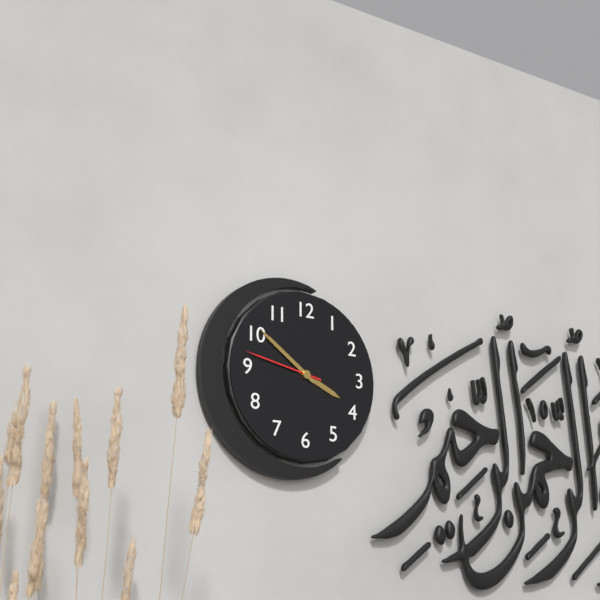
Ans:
3h51m47s
